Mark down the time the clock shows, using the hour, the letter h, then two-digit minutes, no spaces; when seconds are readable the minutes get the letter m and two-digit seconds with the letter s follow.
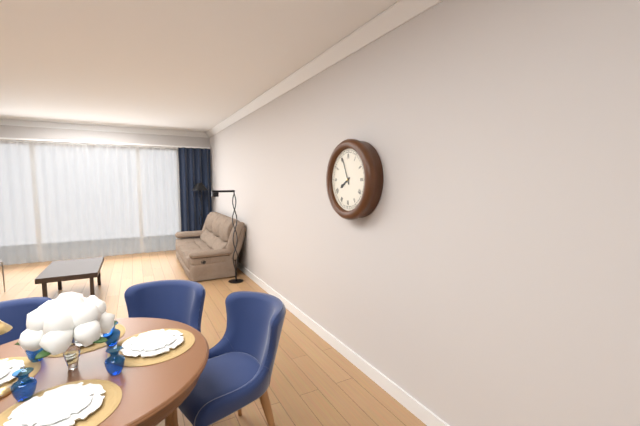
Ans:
7h56
